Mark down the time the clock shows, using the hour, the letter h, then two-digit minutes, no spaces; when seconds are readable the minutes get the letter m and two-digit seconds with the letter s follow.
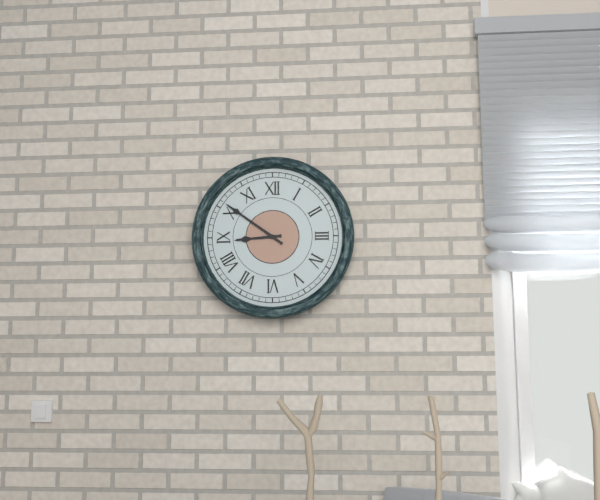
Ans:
8h51
